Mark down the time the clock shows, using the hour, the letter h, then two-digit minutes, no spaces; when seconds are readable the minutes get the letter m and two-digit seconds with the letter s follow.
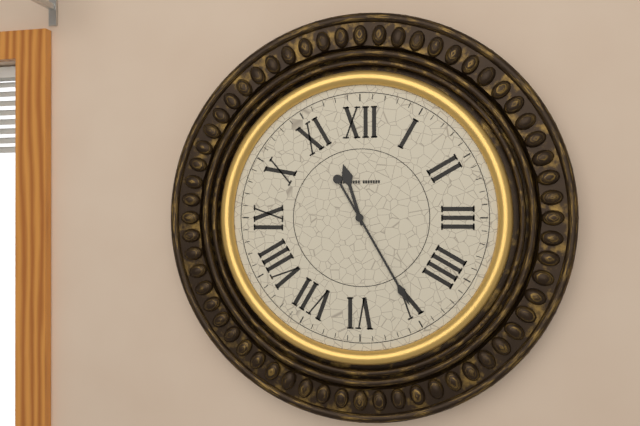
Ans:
11h25
